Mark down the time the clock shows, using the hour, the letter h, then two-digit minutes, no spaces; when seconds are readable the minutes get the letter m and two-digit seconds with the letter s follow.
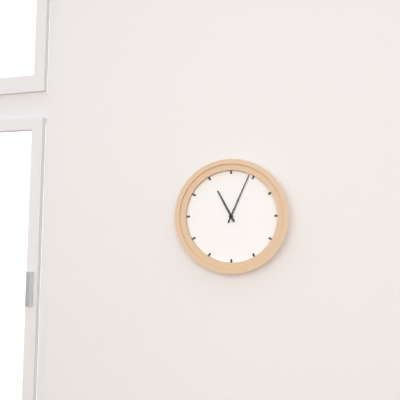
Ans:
11h04
